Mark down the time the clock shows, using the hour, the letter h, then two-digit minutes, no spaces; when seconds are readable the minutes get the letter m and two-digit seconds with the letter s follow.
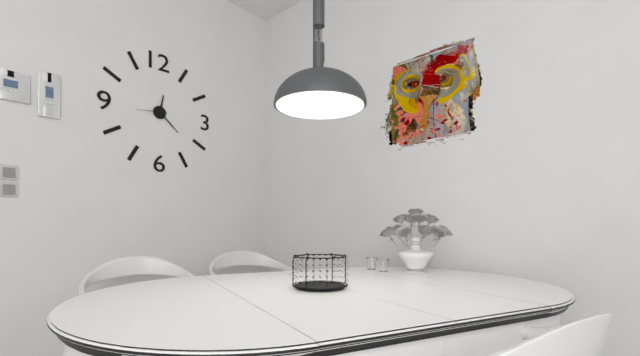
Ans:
12h22
